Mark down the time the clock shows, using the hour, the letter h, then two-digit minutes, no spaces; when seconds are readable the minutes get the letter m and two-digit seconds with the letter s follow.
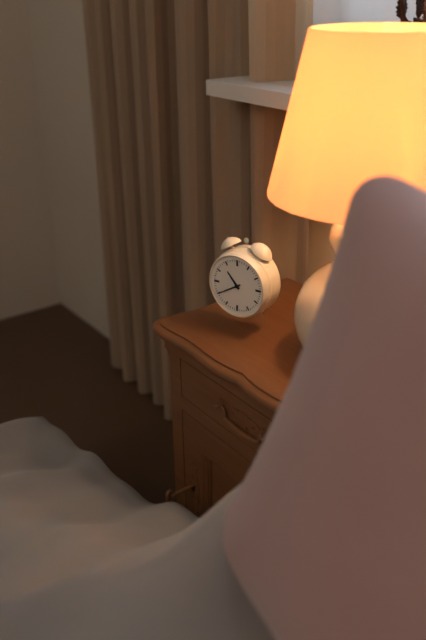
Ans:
10h40
